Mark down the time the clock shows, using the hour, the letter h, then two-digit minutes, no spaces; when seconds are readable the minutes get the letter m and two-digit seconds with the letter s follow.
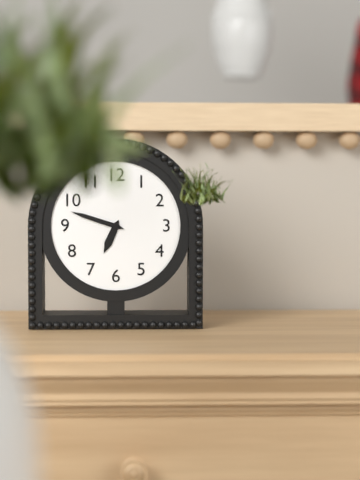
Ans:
6h48
